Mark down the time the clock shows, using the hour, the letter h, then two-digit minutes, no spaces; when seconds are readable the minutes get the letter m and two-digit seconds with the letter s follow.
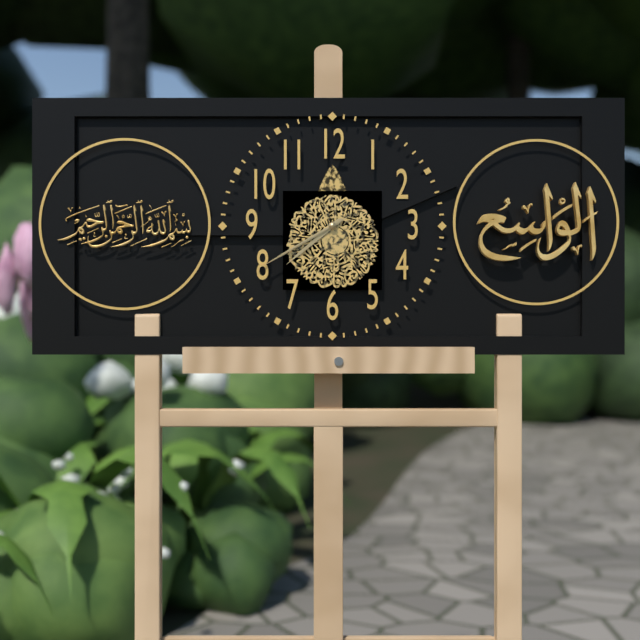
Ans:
7h40m40s
